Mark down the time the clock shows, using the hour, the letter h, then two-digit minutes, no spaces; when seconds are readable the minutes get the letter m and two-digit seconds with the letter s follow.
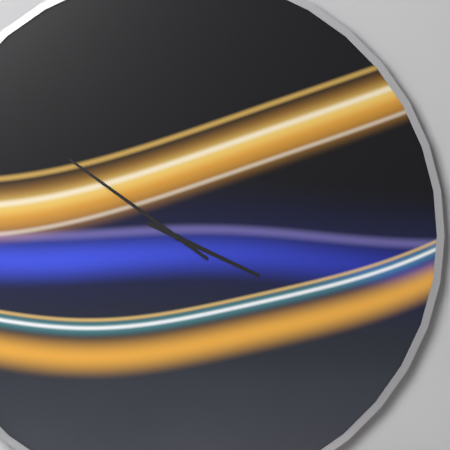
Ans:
3h51
